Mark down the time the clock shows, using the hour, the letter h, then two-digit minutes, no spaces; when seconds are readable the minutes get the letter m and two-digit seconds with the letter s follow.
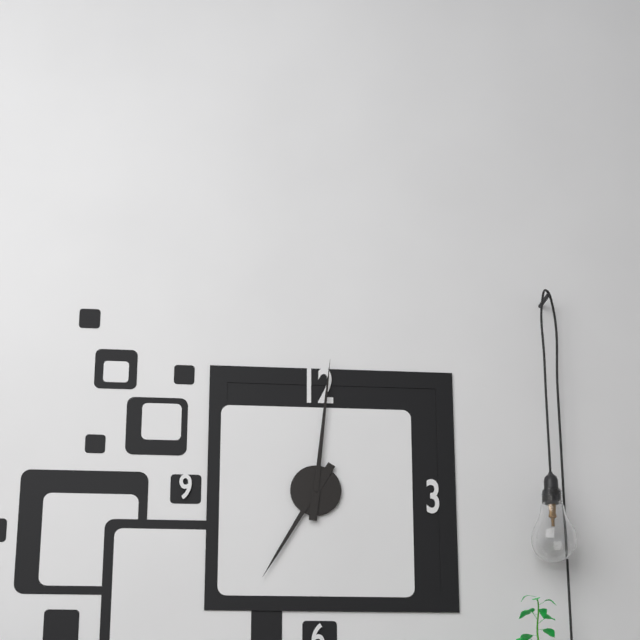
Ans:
7h01
